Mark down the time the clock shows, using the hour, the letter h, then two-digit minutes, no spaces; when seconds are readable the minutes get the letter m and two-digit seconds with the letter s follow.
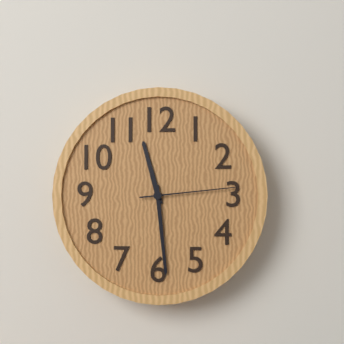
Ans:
11h29m14s
